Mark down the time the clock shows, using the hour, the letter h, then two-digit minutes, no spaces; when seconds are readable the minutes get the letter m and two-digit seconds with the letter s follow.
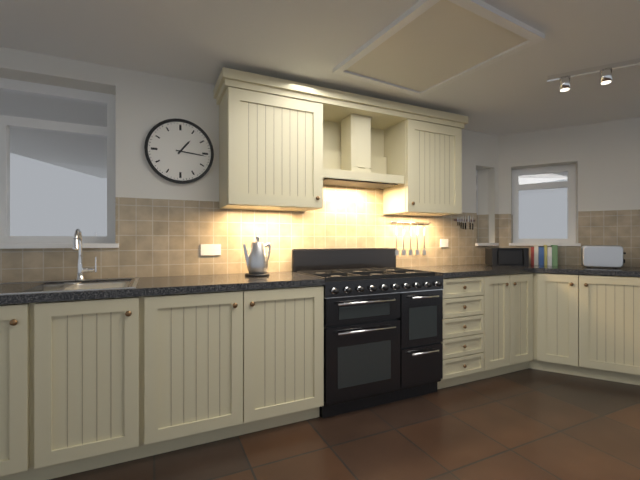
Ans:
1h16
